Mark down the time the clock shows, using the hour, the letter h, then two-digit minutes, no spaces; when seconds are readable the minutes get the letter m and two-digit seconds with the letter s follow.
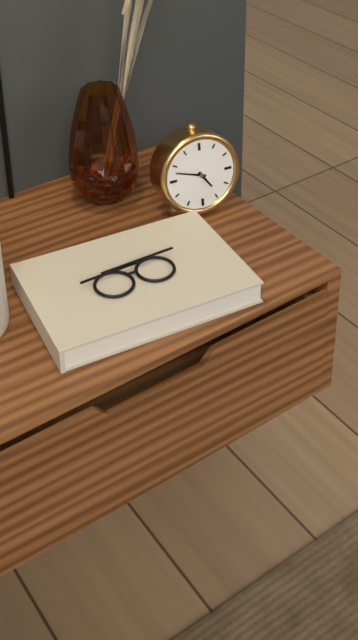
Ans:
4h48
